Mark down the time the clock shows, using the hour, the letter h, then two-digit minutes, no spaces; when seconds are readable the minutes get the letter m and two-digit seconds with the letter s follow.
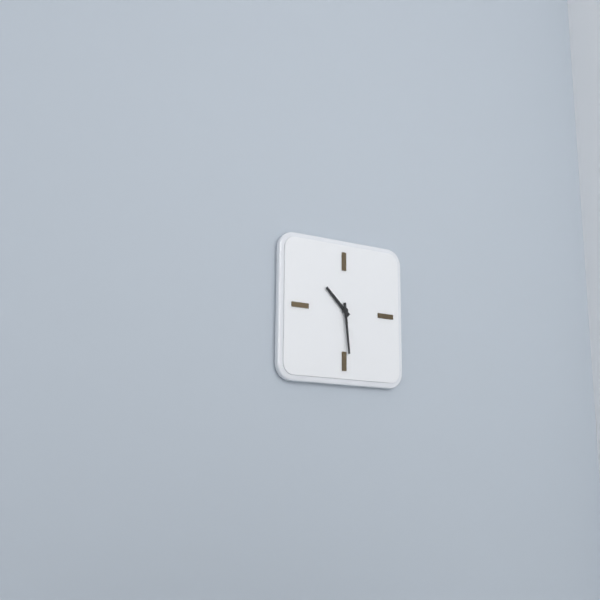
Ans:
10h29
